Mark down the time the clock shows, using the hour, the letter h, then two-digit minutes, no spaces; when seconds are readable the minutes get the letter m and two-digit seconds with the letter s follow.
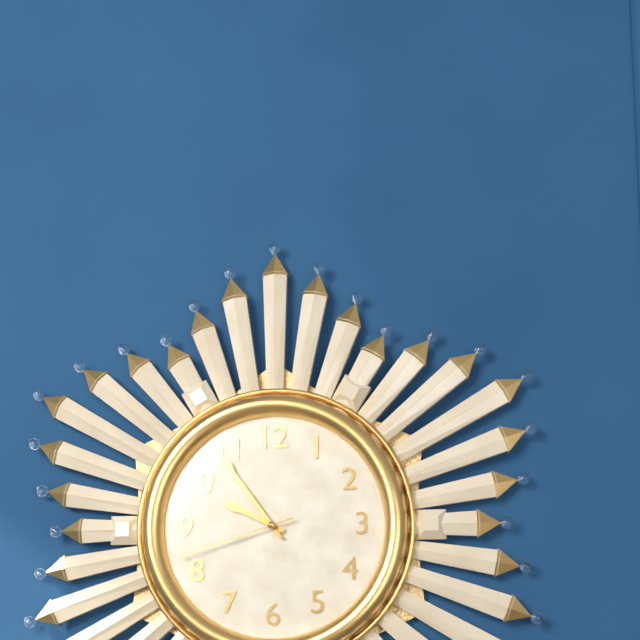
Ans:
9h54m42s
